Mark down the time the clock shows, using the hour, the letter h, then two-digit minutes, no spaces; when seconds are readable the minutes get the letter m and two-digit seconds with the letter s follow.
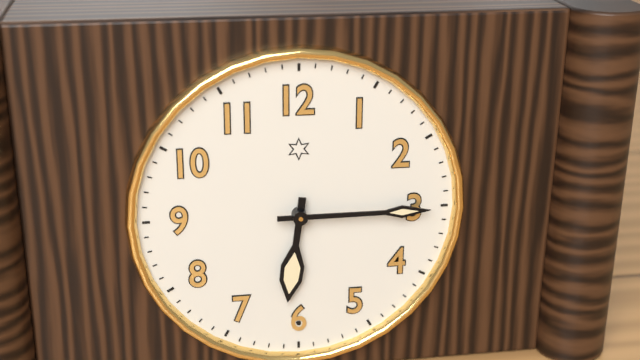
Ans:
6h15
